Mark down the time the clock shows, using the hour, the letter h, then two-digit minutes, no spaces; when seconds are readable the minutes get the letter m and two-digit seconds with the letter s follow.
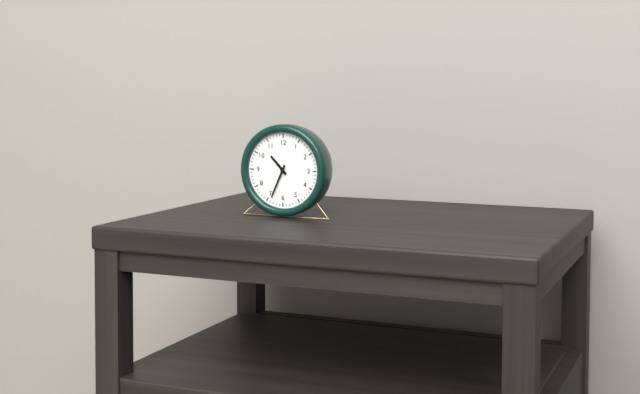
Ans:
10h34
